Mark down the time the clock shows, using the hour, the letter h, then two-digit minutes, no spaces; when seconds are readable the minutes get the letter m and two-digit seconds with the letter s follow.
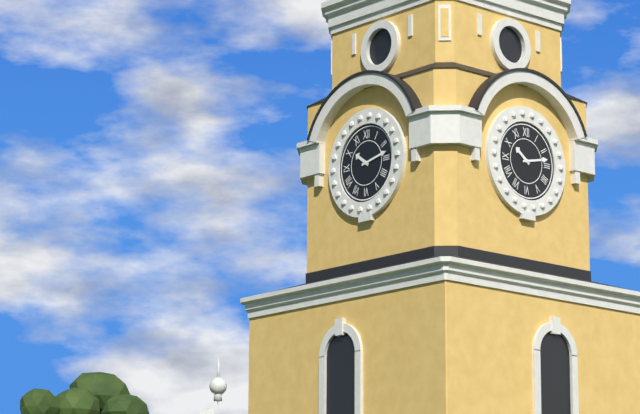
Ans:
10h13
